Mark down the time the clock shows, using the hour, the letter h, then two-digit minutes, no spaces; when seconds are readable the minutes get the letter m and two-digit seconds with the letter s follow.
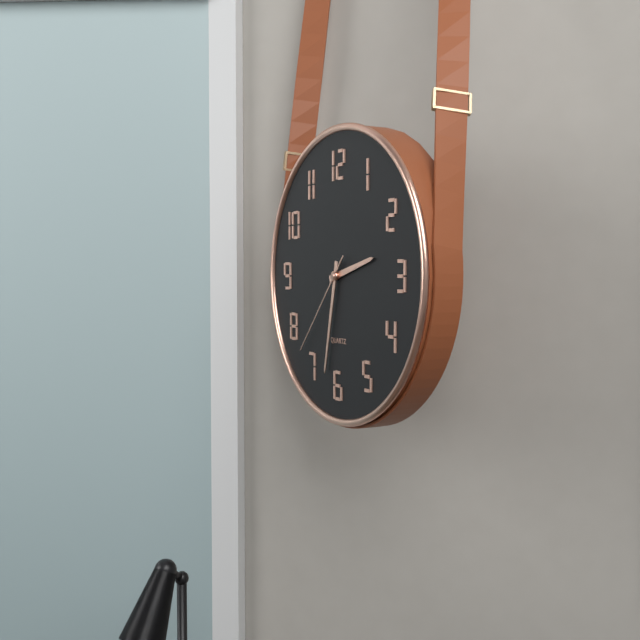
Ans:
2h32m37s
